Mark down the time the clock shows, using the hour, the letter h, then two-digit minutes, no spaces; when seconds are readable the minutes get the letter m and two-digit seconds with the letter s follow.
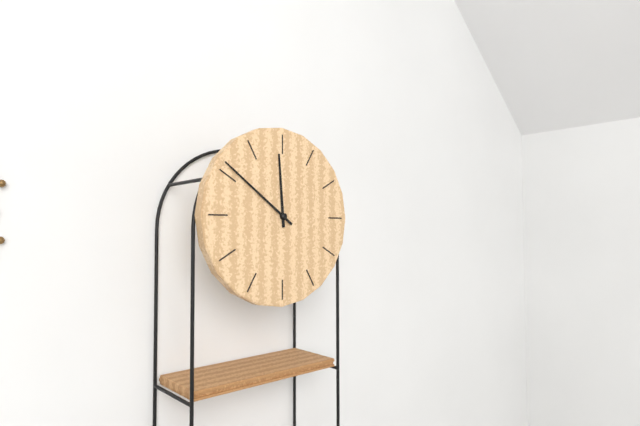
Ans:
11h51
